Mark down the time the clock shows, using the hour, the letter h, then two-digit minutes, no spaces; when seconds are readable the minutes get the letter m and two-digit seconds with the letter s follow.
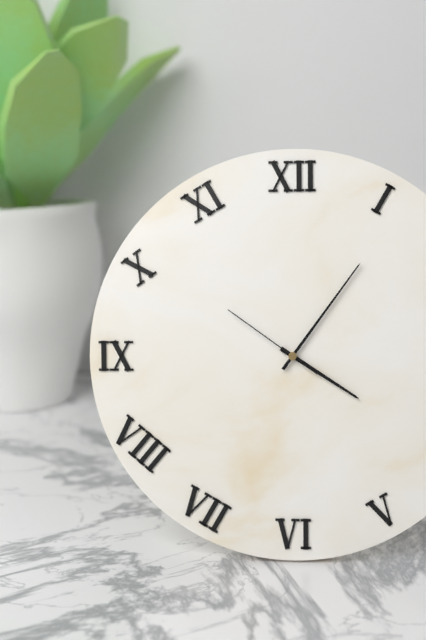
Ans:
4h06m51s
